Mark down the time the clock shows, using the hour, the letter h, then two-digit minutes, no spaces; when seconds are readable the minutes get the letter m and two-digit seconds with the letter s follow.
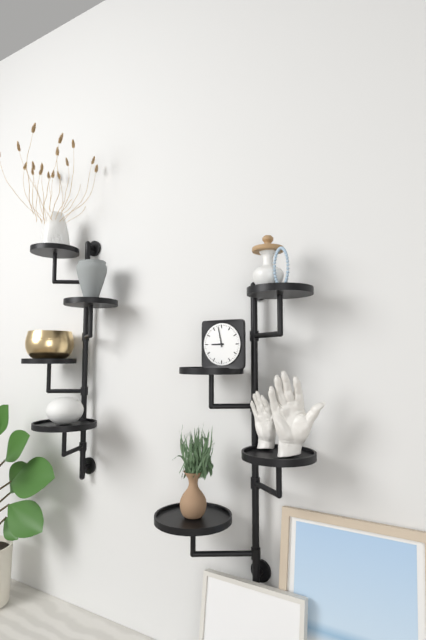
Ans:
8h58
